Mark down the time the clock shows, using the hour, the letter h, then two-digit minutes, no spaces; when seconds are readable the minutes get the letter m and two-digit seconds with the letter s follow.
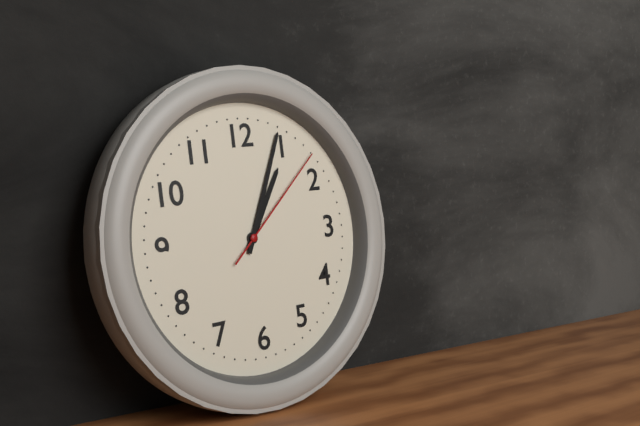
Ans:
1h04m08s
